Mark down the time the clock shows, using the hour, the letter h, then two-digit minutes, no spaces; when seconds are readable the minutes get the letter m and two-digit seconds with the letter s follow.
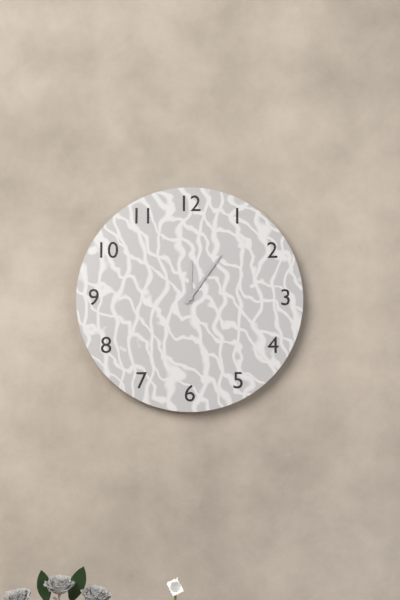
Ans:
12h06
